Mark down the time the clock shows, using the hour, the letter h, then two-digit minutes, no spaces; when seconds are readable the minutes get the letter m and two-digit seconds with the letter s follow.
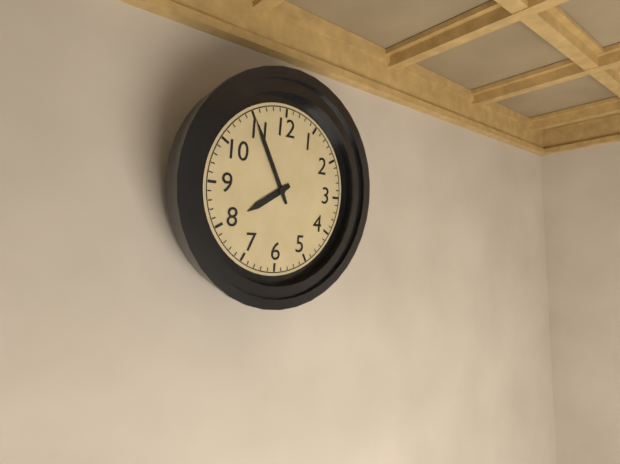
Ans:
7h55
